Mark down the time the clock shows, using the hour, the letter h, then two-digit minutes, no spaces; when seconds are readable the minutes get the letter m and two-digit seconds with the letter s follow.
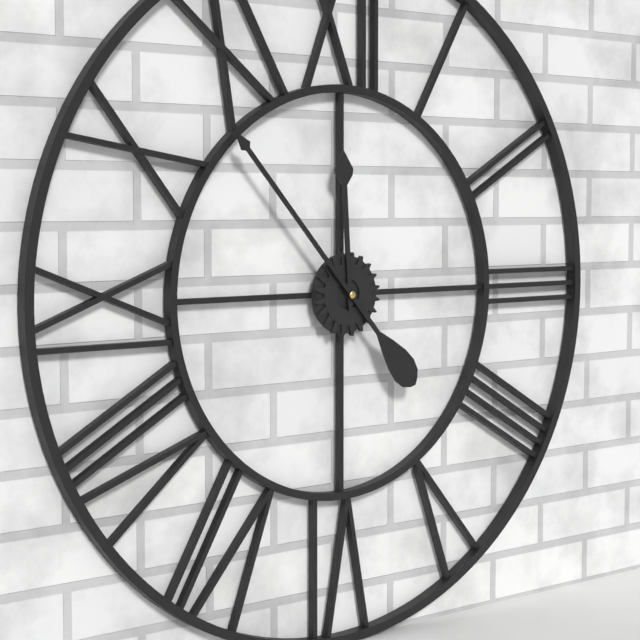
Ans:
11h53
